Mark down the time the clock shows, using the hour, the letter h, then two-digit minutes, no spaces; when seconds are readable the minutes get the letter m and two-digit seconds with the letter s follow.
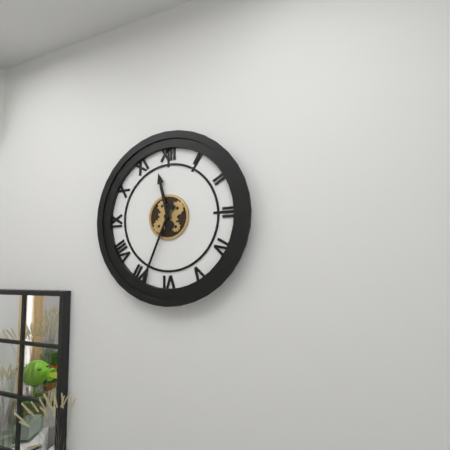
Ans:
11h34
